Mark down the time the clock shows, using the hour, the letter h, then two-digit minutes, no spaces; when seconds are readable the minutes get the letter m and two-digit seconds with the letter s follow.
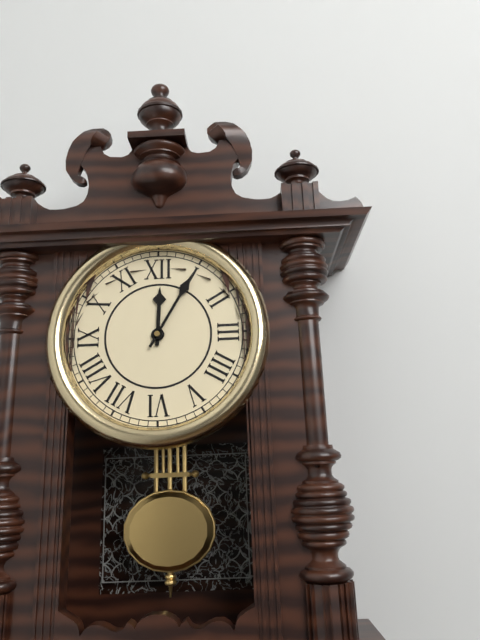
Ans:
12h05
